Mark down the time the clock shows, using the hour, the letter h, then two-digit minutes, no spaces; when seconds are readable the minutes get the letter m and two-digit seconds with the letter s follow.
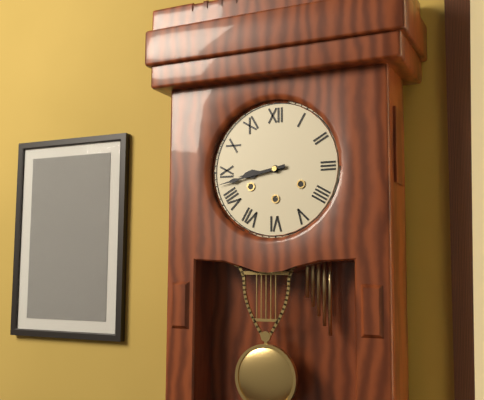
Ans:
8h43
